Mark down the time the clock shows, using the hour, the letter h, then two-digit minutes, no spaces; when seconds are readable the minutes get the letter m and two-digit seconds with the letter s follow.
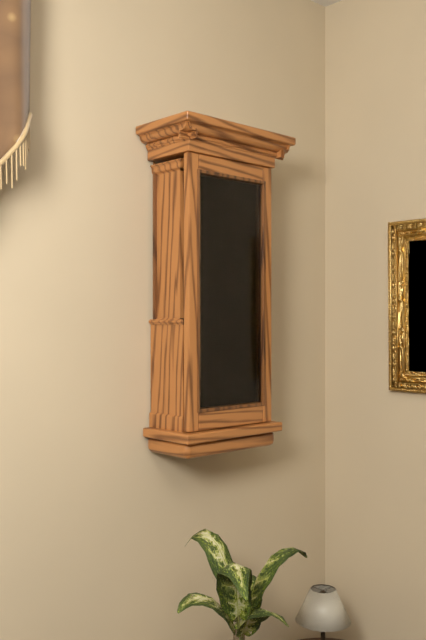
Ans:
12h46
